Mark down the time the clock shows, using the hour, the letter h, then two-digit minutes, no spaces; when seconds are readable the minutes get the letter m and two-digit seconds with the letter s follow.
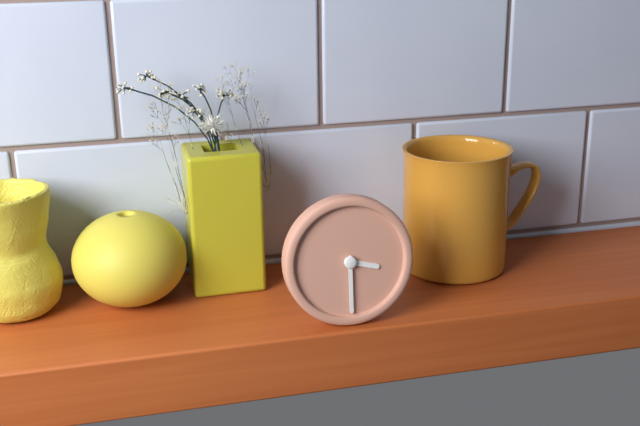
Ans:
3h30
